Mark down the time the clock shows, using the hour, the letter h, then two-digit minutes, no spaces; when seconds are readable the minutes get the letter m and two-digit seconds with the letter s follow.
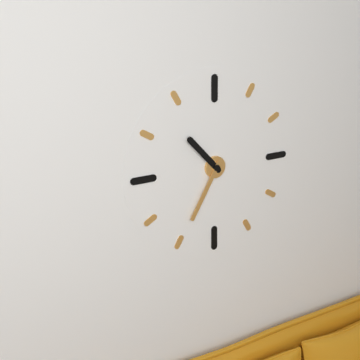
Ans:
10h35
